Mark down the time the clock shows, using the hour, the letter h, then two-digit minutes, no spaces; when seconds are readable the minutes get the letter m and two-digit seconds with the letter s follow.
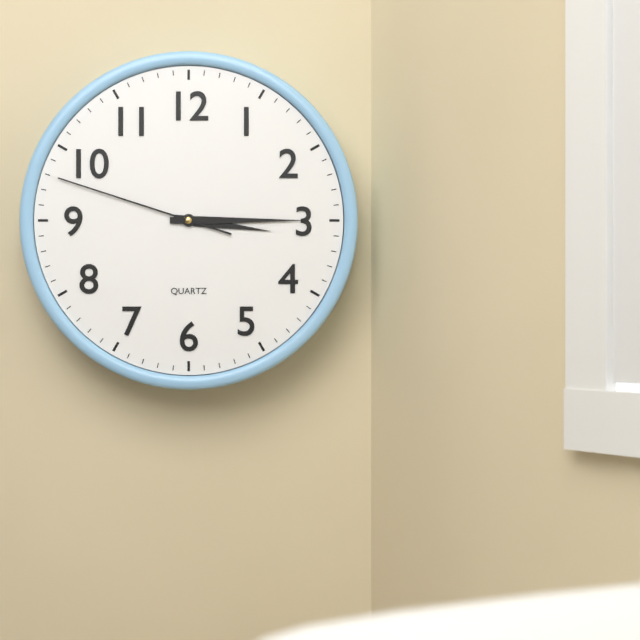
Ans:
3h15m48s
